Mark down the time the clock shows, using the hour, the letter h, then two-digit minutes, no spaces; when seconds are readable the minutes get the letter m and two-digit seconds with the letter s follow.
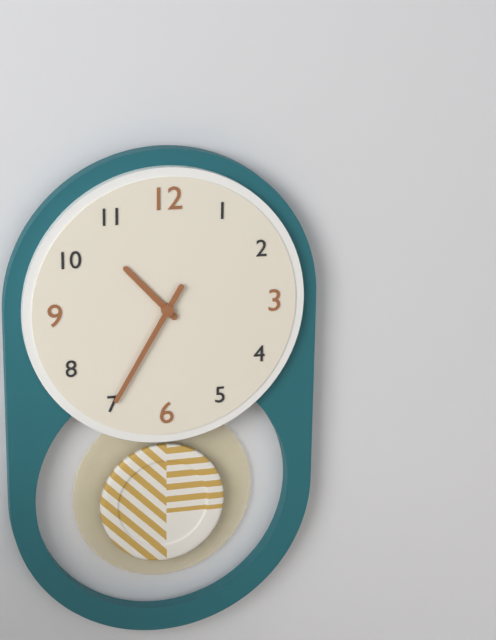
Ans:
10h35
